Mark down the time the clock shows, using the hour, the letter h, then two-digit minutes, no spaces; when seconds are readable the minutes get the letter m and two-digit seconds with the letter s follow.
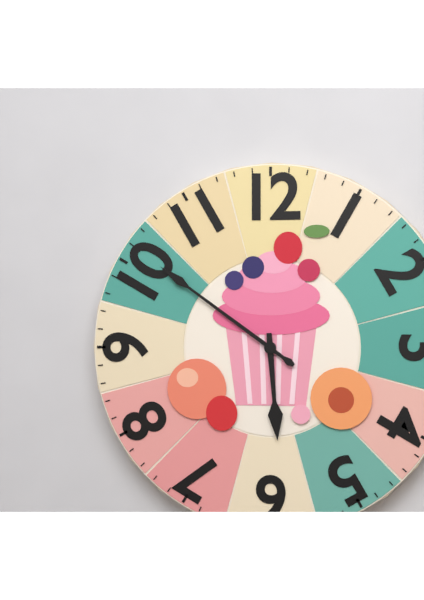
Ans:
5h51
